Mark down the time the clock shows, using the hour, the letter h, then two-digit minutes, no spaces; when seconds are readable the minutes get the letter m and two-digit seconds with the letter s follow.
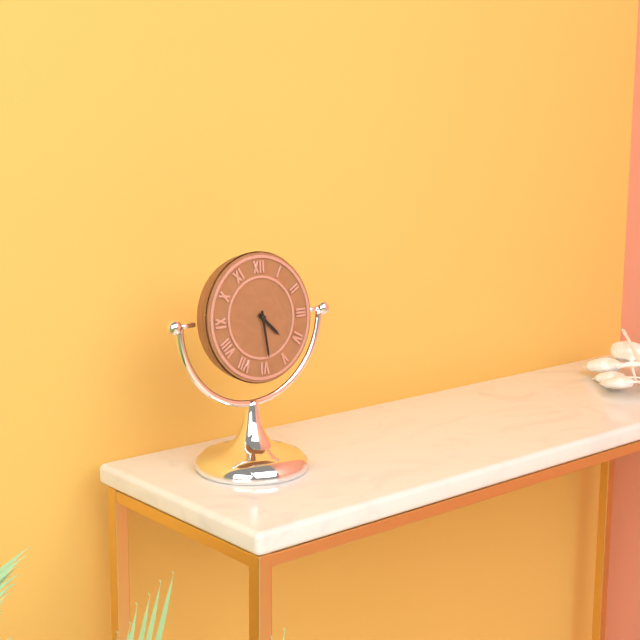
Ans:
4h29
